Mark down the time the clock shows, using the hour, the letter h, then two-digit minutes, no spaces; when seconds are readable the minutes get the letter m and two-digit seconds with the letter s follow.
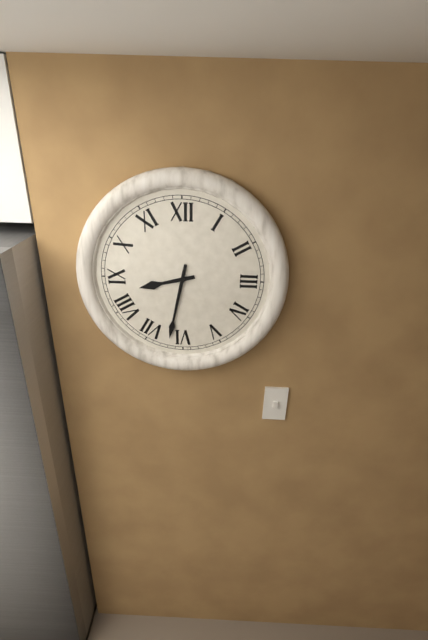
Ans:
8h32
